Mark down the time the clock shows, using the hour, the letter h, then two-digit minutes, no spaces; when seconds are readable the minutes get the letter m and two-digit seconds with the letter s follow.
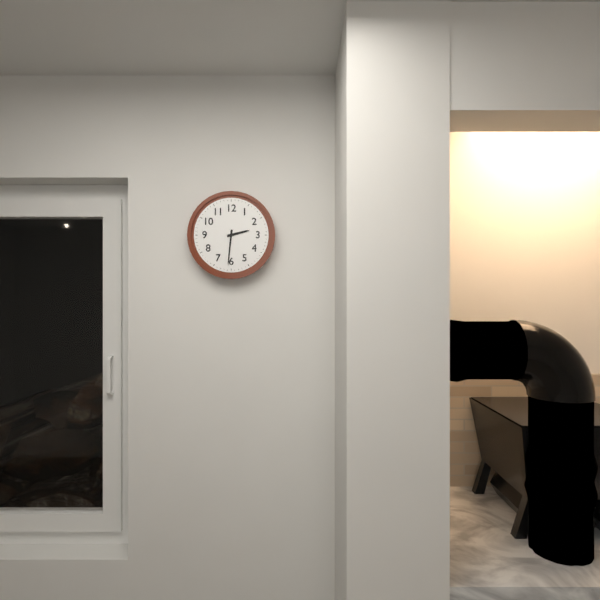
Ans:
2h31
